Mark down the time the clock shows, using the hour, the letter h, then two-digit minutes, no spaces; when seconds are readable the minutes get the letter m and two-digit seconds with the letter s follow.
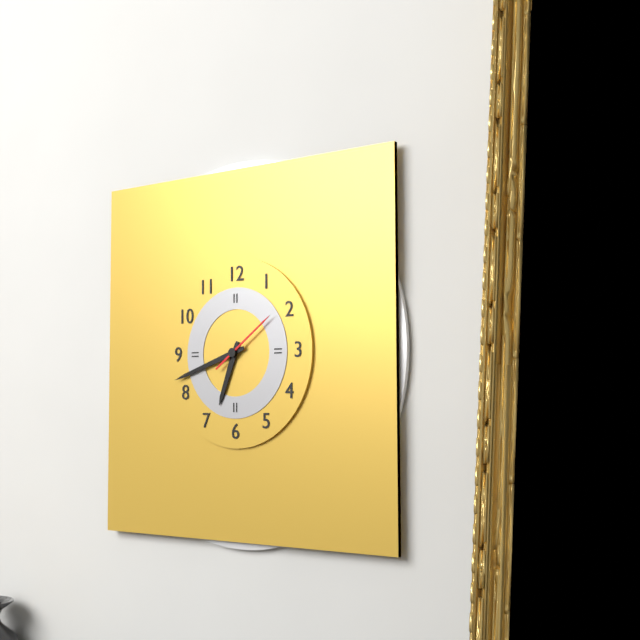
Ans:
6h42m09s
